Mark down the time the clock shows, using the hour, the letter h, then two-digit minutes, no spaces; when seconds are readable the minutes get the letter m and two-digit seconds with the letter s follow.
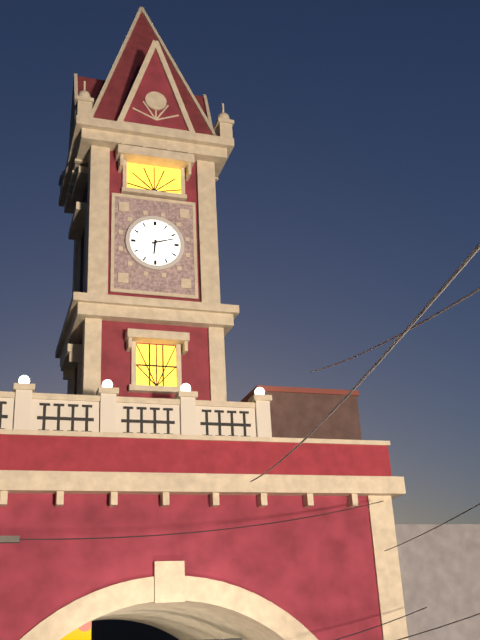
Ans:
6h12
